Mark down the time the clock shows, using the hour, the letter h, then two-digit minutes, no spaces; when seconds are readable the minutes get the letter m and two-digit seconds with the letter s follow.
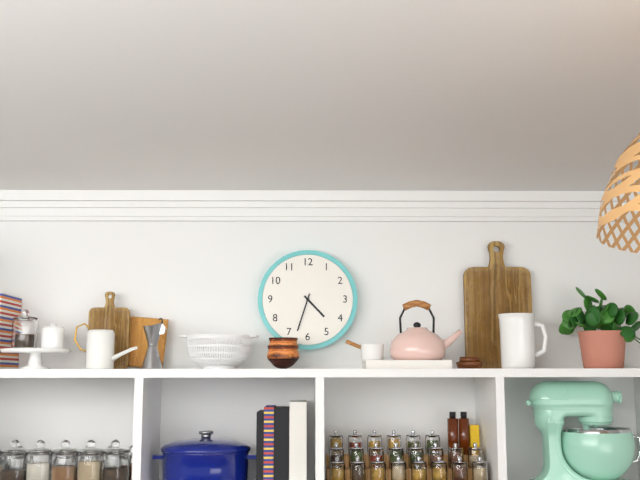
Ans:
4h33
